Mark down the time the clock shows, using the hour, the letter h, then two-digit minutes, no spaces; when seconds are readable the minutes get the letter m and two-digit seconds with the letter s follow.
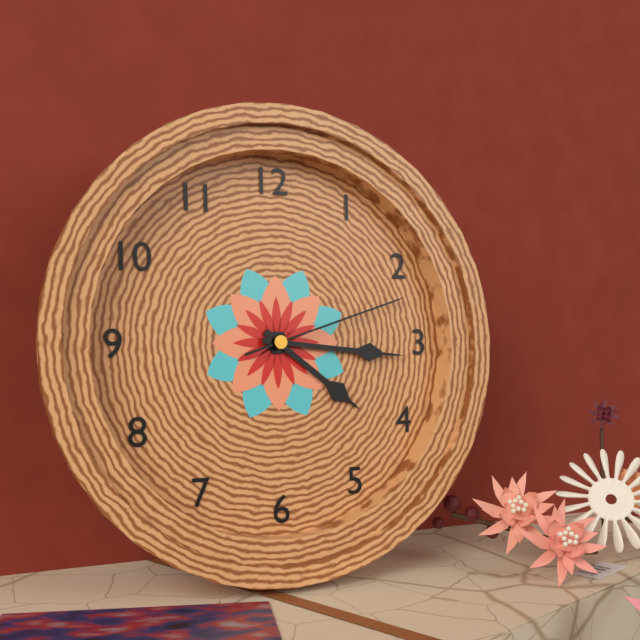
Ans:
4h16m12s
